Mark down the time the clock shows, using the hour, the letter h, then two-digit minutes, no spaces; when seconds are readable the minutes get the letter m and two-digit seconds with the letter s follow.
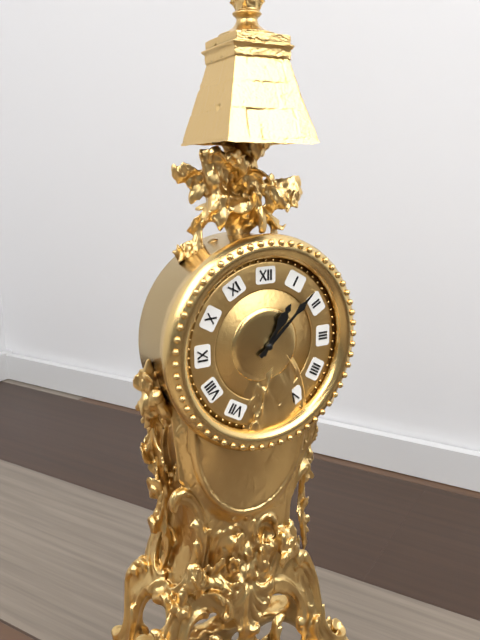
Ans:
1h08
